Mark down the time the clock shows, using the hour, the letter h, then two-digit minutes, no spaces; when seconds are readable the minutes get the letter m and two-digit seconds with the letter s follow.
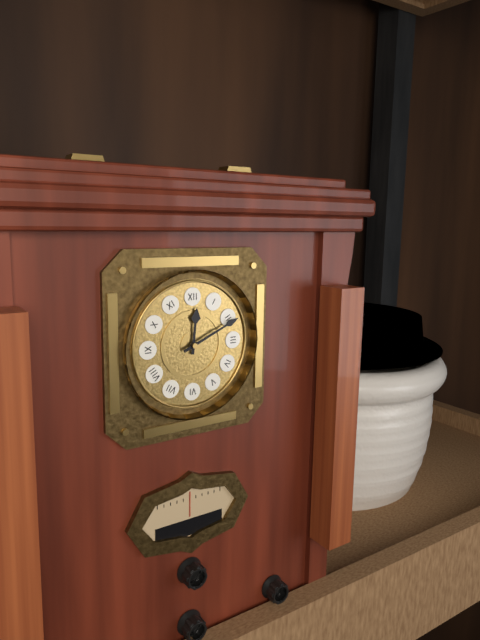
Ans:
12h11
